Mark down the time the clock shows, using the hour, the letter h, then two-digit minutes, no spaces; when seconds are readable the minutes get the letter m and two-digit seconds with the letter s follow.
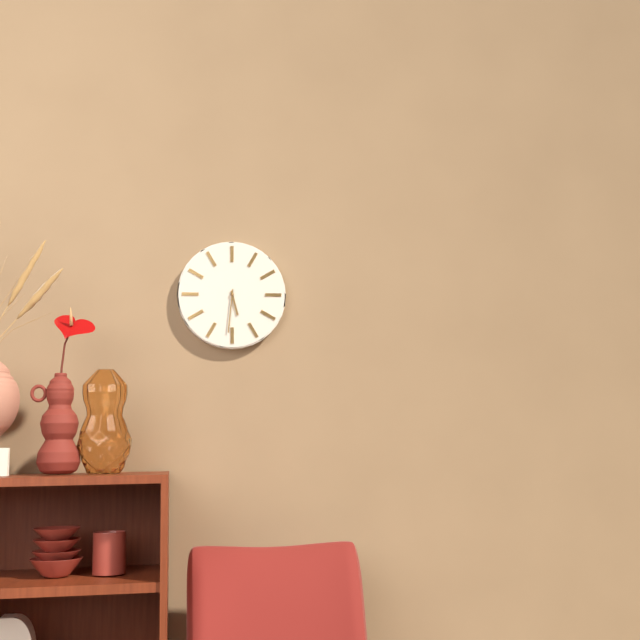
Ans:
5h31
